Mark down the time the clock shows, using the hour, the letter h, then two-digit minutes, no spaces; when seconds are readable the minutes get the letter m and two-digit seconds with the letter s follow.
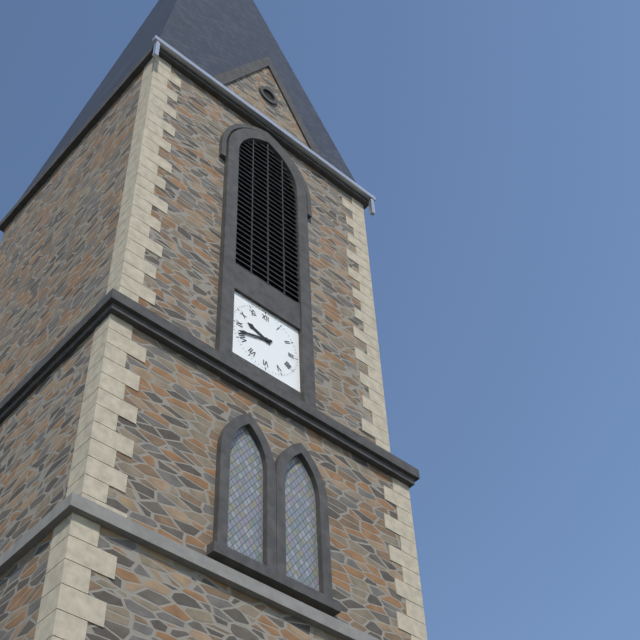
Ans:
9h42
